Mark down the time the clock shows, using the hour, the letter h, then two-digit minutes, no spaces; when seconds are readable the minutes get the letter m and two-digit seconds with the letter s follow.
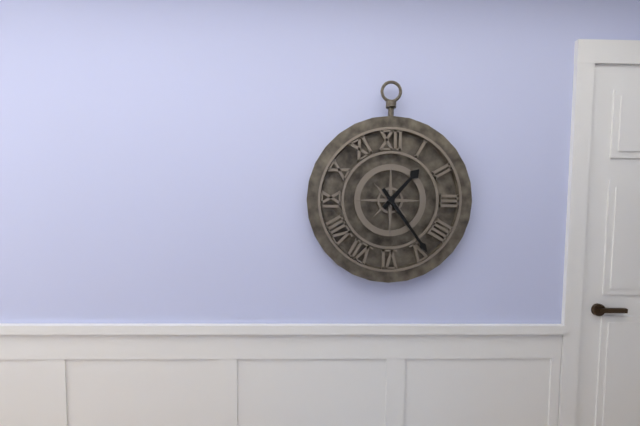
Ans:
1h24
